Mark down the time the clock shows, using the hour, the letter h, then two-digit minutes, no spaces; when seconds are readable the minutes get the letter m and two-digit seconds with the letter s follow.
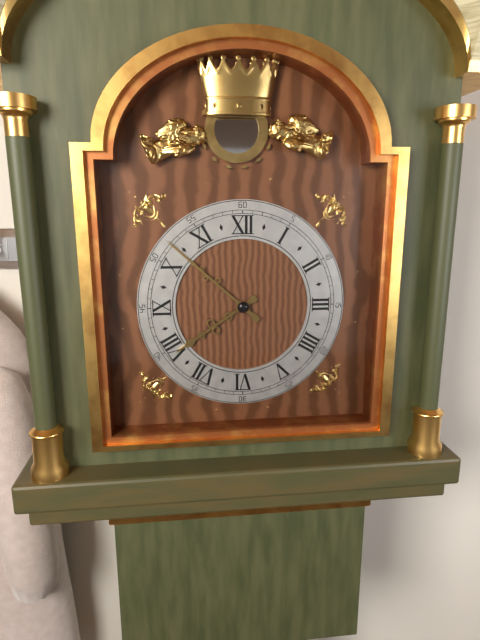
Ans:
7h52
